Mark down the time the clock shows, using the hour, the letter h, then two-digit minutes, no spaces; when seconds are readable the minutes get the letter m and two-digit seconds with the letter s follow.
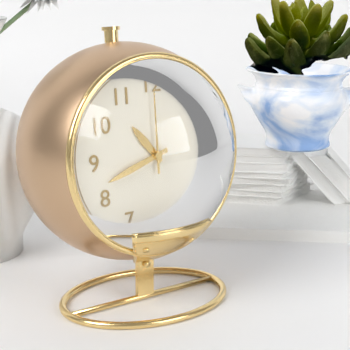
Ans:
10h42m00s
